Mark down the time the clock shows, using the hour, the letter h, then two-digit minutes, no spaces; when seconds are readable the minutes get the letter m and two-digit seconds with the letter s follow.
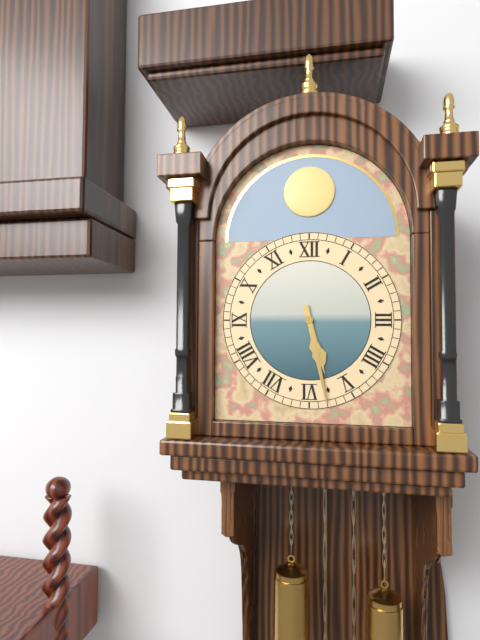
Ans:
5h28
